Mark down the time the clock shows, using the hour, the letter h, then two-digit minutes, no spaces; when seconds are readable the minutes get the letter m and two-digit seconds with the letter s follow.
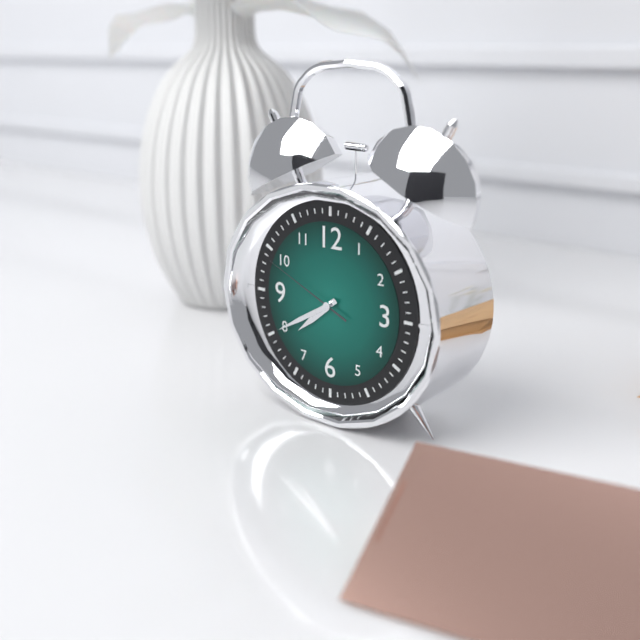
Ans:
7h40m49s
